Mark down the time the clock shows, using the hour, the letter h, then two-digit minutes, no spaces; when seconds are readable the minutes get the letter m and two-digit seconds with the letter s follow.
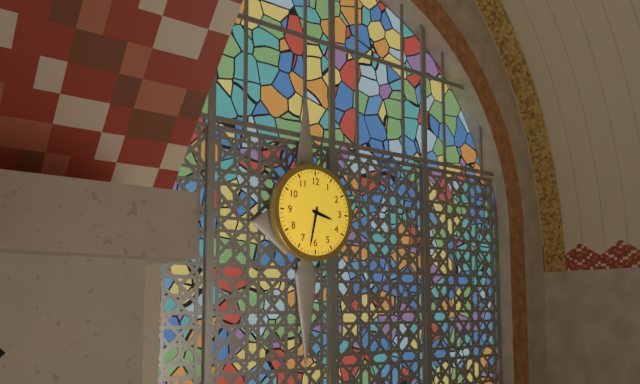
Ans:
3h32
